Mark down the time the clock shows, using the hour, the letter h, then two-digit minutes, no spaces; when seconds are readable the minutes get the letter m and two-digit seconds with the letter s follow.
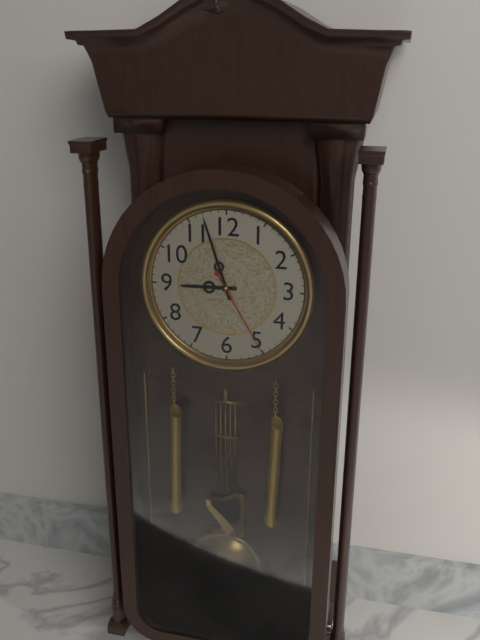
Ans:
8h57m25s
